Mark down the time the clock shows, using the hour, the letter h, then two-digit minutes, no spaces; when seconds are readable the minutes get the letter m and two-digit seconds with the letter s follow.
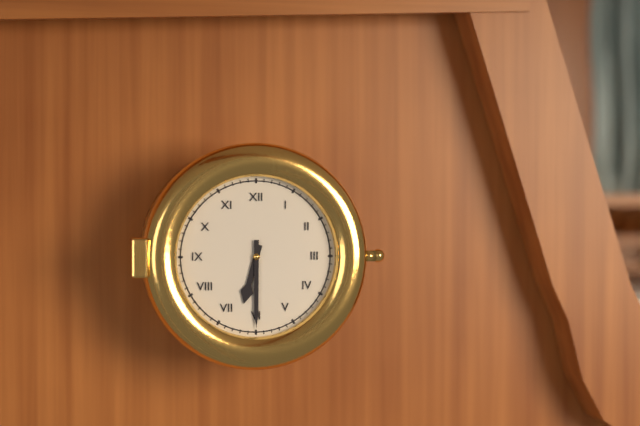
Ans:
6h30
